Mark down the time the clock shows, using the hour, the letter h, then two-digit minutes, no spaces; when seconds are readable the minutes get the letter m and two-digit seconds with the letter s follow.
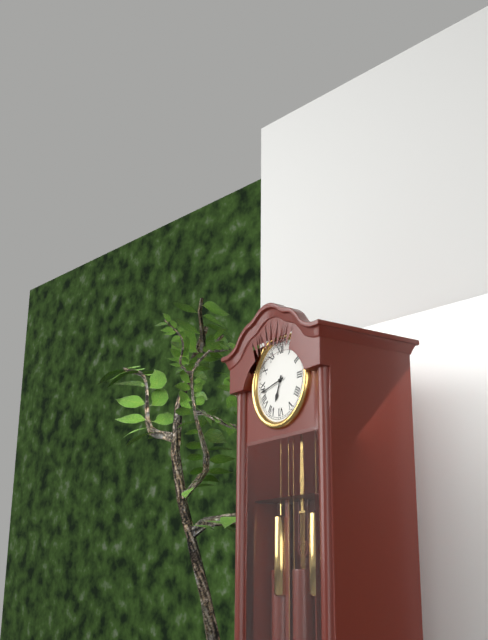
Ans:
6h43
